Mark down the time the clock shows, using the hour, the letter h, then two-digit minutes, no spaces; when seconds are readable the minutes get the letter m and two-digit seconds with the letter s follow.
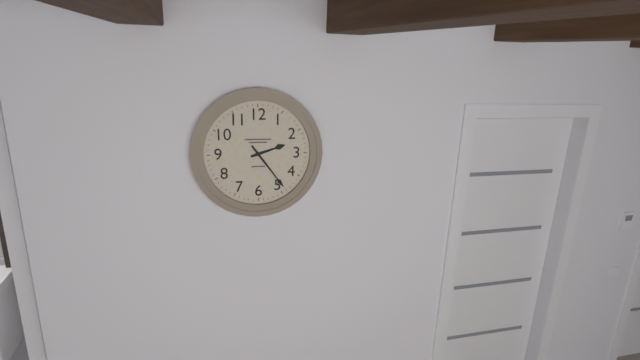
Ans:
2h24
